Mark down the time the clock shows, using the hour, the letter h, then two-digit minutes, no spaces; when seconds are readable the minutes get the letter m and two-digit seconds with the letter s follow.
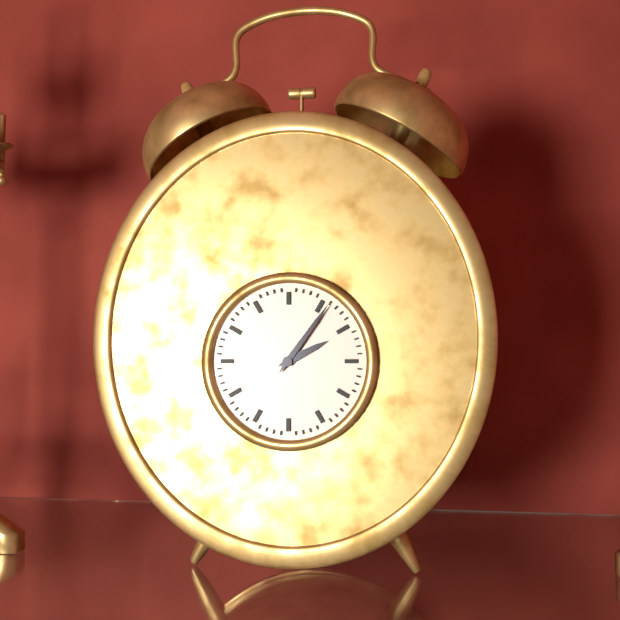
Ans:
2h06
